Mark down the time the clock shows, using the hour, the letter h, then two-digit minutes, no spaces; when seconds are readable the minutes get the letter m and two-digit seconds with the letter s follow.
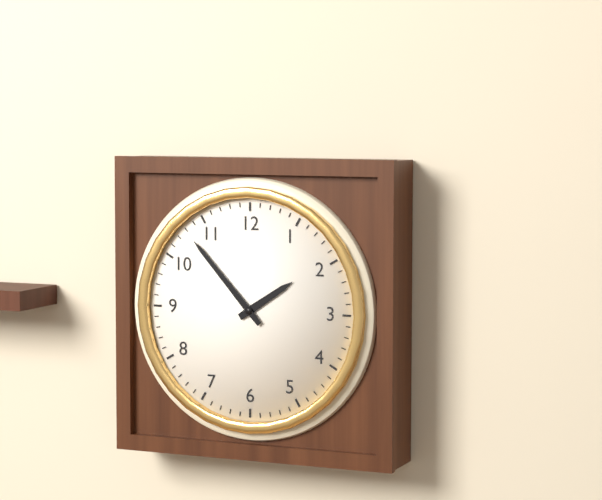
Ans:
1h53
